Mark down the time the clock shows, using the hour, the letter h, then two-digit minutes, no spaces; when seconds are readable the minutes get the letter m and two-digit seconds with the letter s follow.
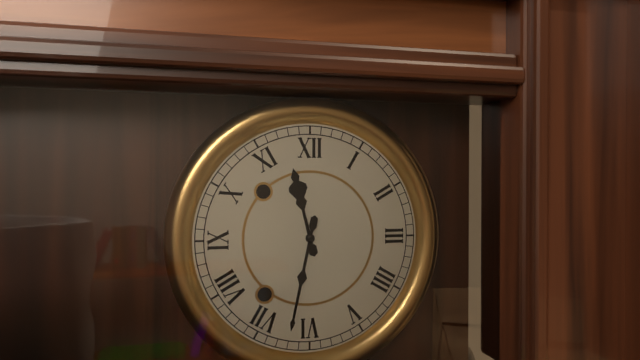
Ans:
11h32
